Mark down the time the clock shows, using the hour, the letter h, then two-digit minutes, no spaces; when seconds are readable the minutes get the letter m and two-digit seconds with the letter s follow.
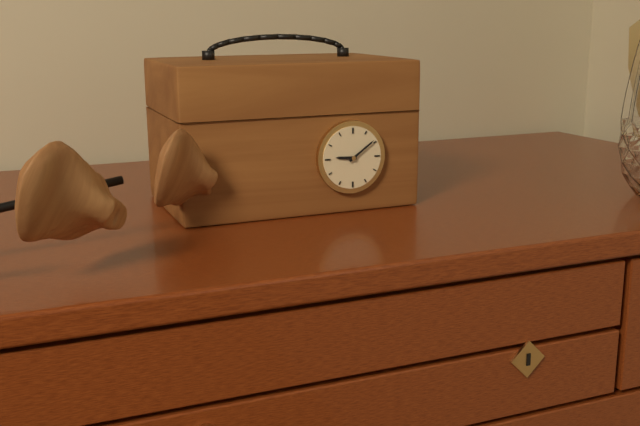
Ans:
9h09
